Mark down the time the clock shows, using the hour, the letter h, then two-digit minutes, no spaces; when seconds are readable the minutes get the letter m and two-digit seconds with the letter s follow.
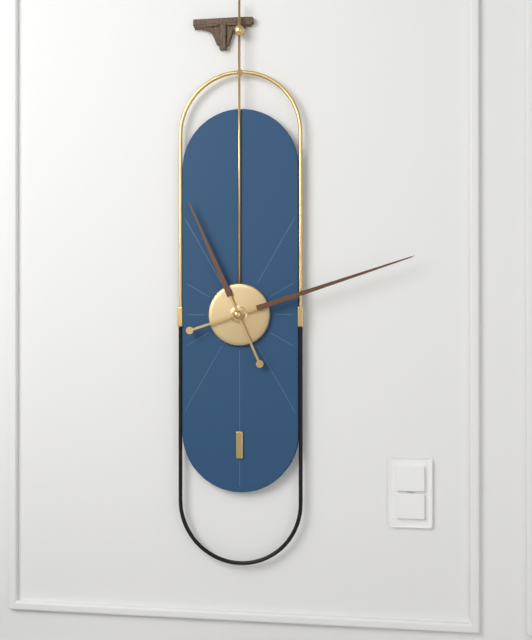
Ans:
11h12
